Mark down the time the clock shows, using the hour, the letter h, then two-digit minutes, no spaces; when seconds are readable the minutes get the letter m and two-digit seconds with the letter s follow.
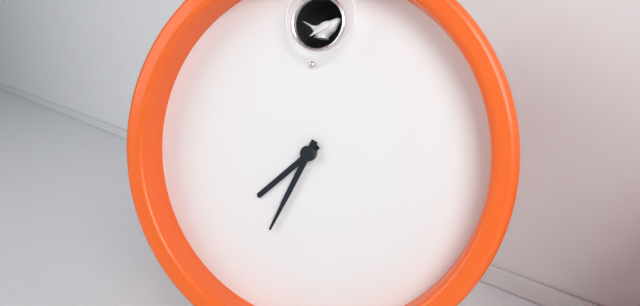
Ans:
7h34
